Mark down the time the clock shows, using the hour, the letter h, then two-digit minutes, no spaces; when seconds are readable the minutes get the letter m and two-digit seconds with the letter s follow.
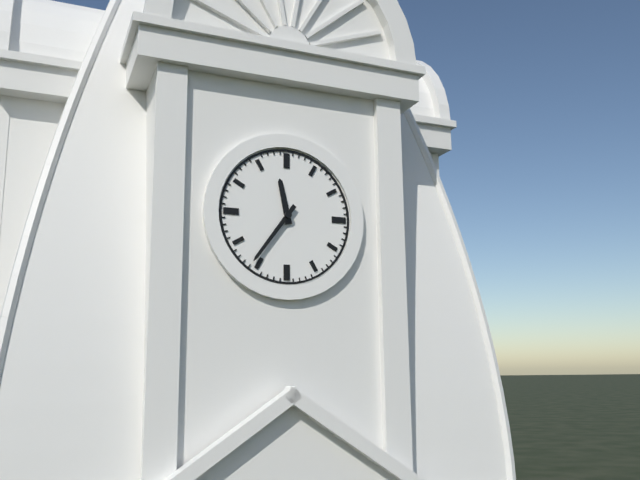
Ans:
11h36
